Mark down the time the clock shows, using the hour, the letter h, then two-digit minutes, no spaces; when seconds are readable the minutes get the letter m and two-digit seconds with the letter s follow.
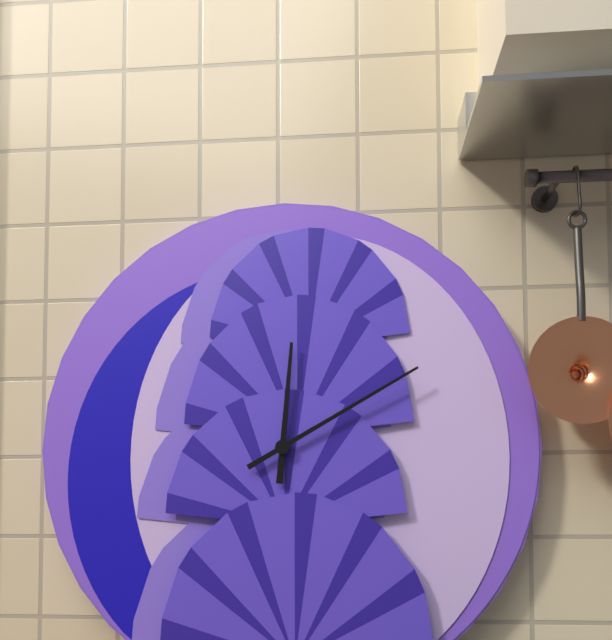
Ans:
12h10
